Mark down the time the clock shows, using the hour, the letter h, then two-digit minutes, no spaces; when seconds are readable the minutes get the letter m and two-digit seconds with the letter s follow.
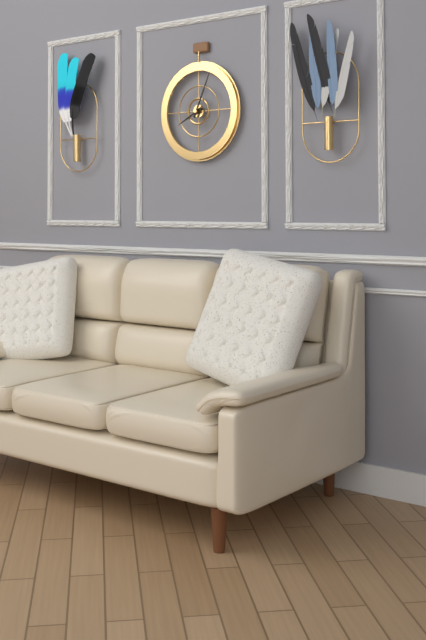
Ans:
8h04
